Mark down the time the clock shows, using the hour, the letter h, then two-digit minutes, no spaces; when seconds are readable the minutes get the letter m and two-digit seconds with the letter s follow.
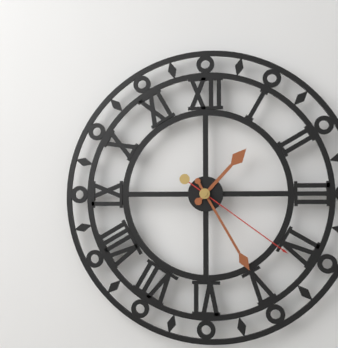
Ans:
1h25m21s
